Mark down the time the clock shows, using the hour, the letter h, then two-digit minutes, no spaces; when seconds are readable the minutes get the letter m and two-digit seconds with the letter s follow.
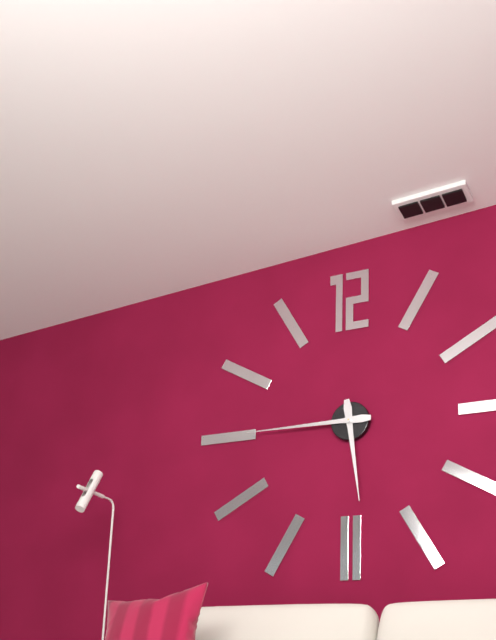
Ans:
5h45
